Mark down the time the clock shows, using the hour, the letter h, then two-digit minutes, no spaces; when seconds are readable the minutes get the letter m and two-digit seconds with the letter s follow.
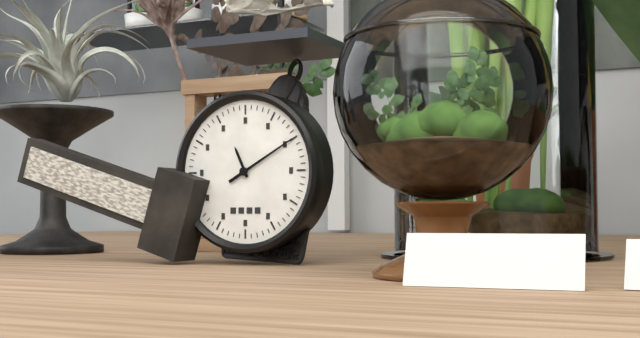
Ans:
11h10
